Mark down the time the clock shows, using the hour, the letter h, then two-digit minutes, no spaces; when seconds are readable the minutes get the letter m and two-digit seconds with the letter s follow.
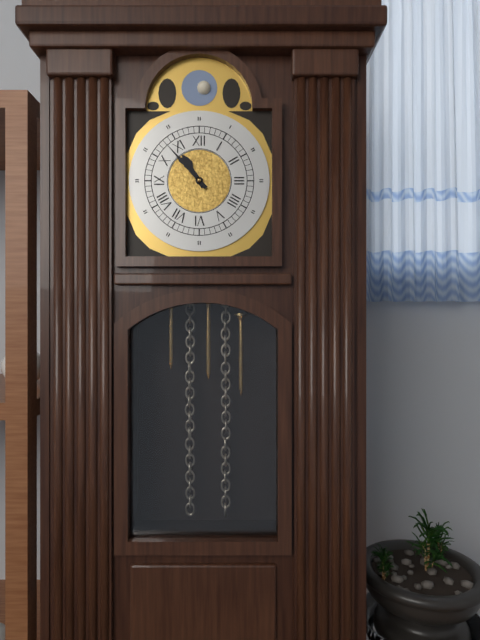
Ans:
10h53
